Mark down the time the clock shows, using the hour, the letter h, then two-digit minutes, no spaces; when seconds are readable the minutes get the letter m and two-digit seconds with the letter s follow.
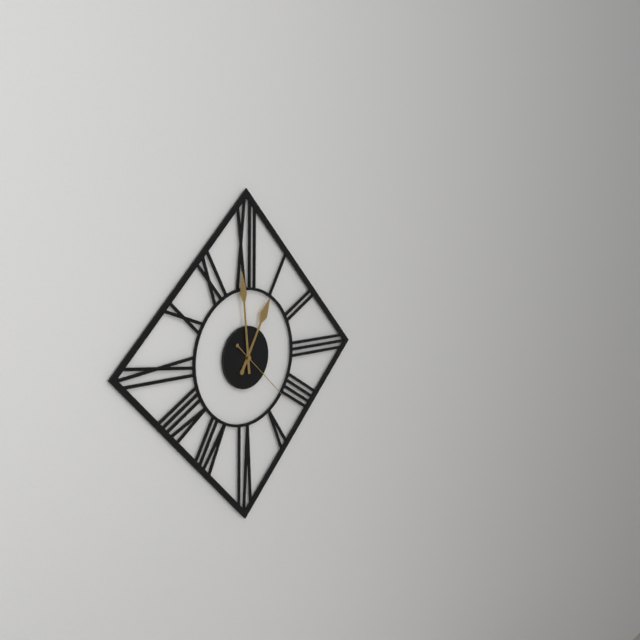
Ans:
12h59m22s
